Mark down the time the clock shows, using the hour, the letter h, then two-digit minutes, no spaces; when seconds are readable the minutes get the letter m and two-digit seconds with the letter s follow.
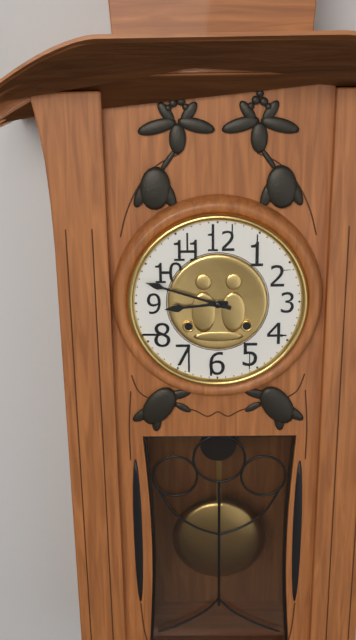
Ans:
8h48
